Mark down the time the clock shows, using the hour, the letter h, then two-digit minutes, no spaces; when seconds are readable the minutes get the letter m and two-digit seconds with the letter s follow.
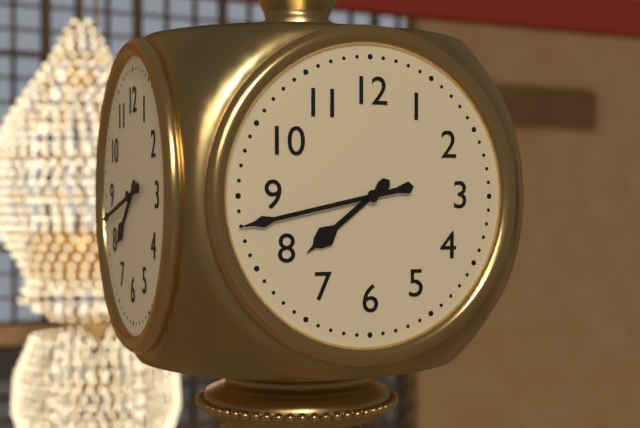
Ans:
7h43
